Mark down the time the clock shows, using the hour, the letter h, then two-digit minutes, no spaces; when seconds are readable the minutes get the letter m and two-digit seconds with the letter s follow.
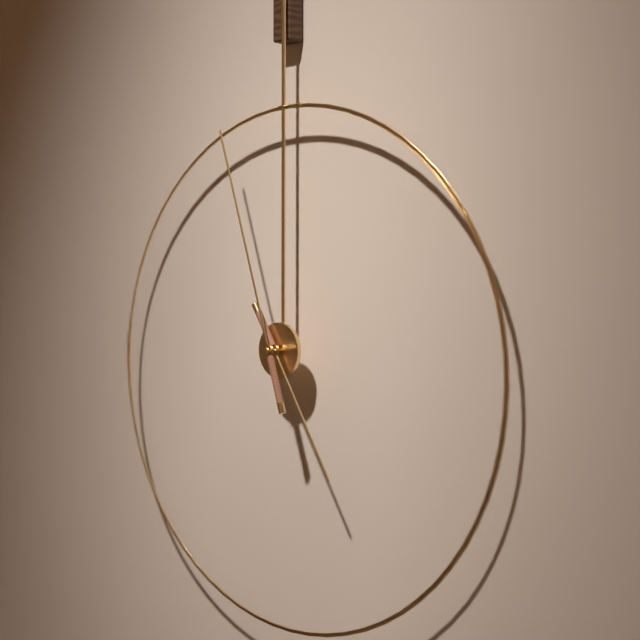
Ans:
4h57
